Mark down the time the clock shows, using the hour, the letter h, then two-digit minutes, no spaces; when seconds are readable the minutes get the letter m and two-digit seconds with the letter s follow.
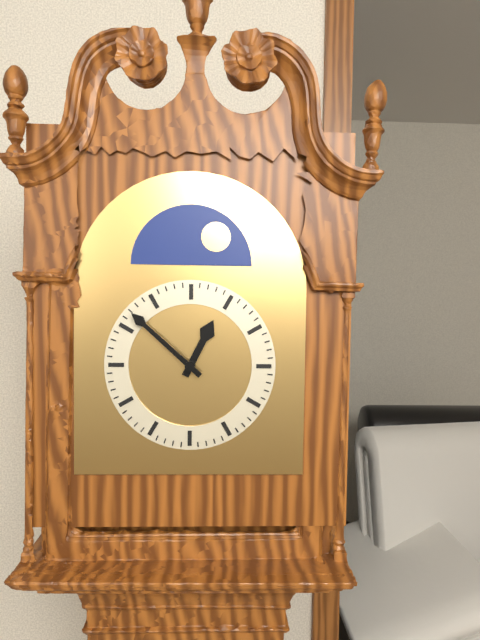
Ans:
12h52
